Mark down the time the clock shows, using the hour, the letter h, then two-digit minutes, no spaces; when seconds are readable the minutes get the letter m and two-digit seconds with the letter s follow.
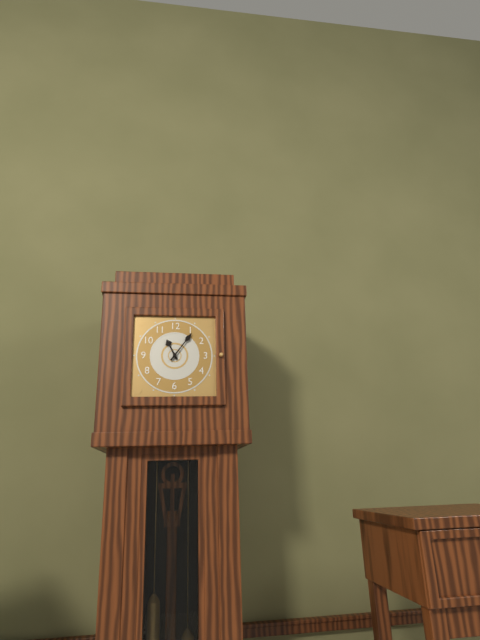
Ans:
11h06
